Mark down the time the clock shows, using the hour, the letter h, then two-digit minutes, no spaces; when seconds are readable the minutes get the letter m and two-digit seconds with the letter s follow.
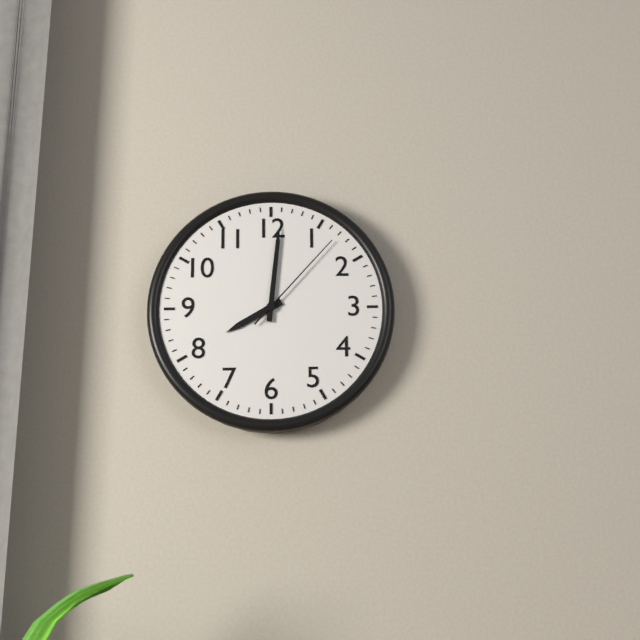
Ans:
8h01m07s
